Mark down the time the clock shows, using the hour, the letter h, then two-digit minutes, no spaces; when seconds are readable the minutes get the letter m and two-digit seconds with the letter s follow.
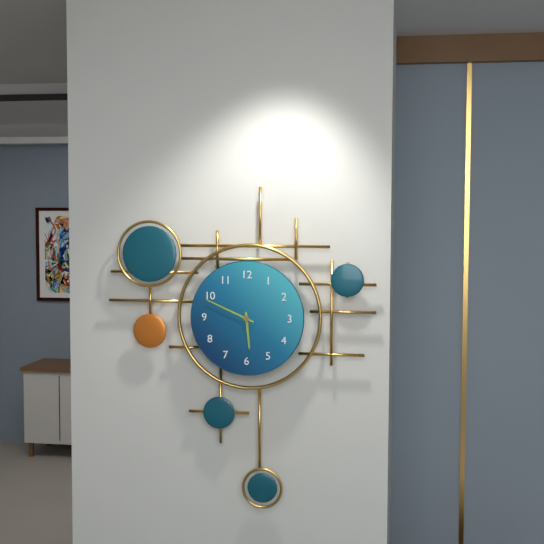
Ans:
5h49
